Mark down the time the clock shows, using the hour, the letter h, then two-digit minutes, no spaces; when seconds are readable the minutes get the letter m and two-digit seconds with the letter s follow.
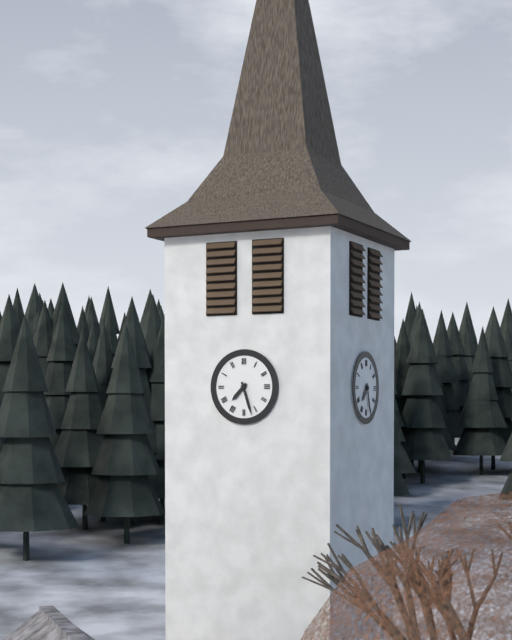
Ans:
7h27
